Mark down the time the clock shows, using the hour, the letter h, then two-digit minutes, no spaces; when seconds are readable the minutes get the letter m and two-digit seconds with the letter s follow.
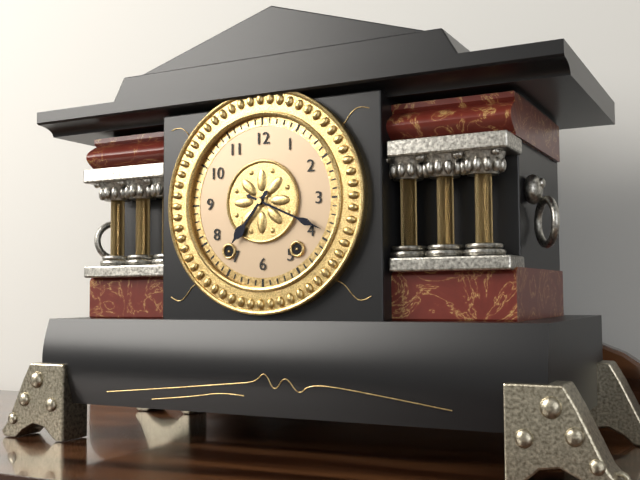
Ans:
7h19
